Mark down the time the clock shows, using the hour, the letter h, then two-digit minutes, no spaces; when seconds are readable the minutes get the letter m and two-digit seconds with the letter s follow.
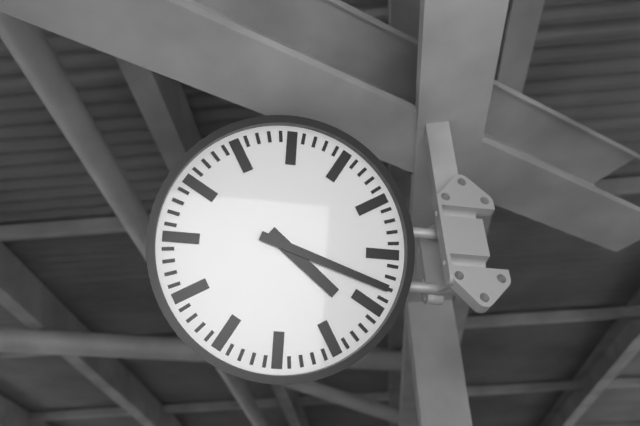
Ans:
4h18
